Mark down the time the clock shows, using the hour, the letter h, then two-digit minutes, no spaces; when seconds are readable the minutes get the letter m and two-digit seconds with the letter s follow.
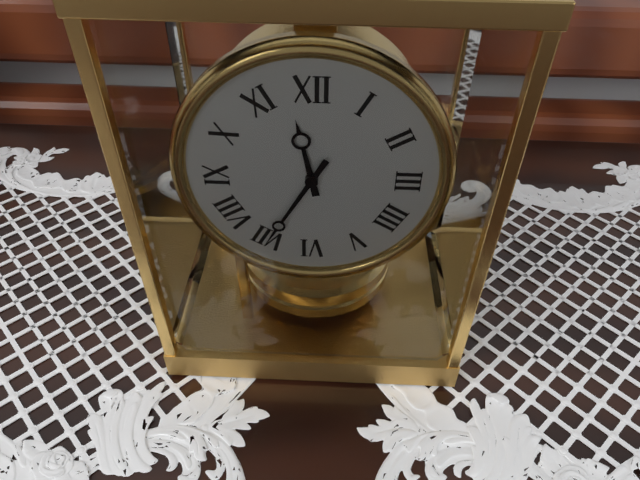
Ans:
11h35
